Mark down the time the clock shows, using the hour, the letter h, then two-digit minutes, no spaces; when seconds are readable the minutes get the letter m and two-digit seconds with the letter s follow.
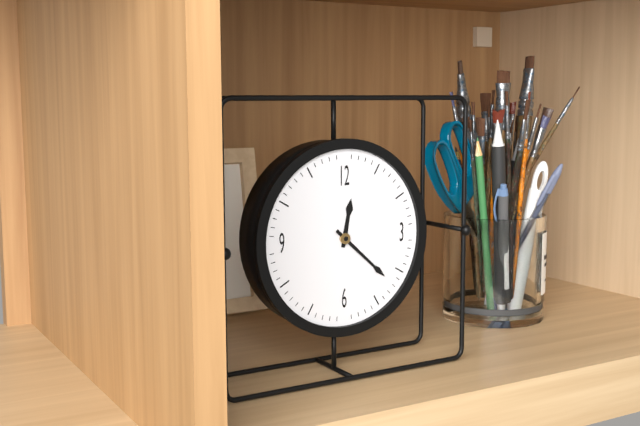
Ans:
12h22
